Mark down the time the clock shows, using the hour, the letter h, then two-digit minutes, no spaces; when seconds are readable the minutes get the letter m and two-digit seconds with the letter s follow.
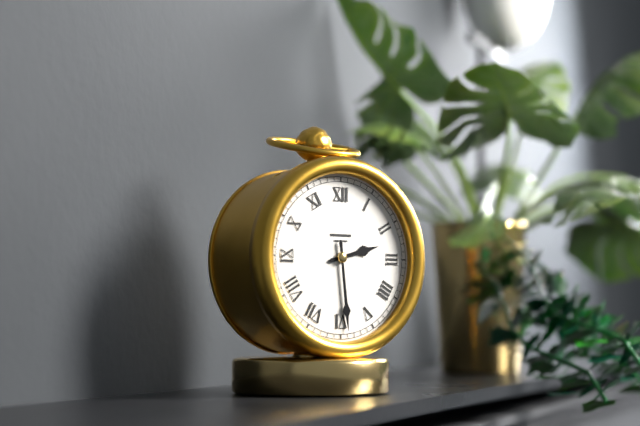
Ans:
2h29
